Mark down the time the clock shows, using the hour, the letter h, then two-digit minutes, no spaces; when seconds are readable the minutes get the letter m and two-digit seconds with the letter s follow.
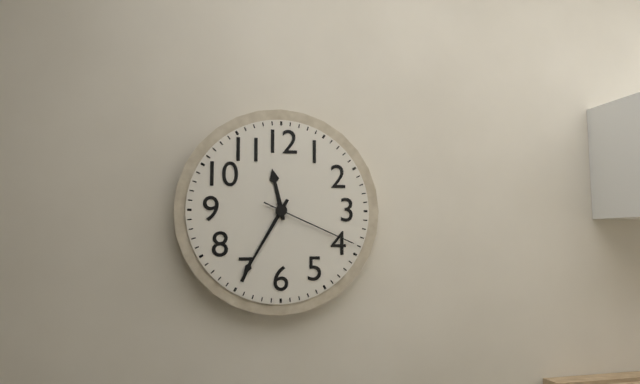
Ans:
11h35m19s
